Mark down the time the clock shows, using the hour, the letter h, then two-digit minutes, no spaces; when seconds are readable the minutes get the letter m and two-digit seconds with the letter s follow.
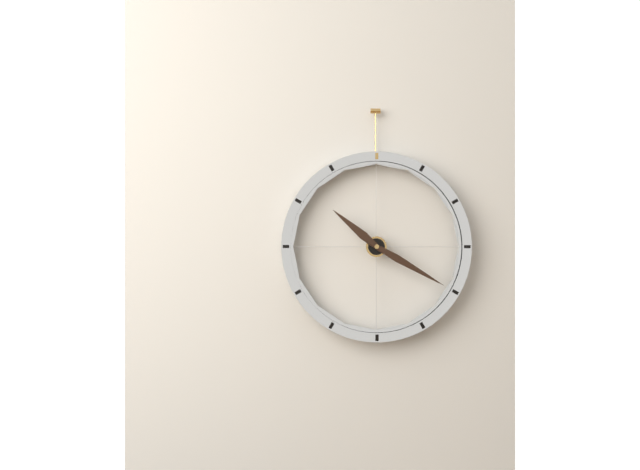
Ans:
10h20
